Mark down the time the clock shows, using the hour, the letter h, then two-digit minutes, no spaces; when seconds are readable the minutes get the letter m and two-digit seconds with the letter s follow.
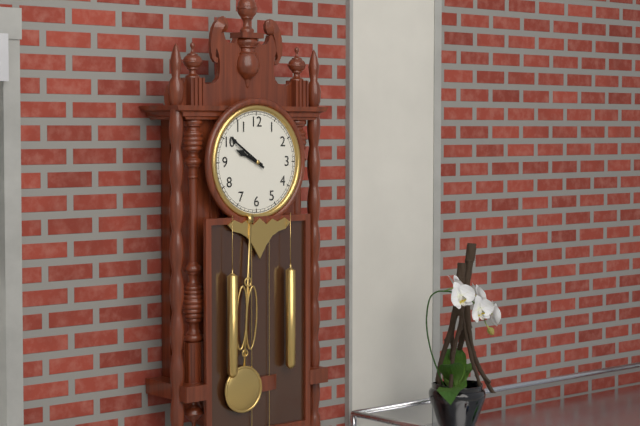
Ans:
9h51
